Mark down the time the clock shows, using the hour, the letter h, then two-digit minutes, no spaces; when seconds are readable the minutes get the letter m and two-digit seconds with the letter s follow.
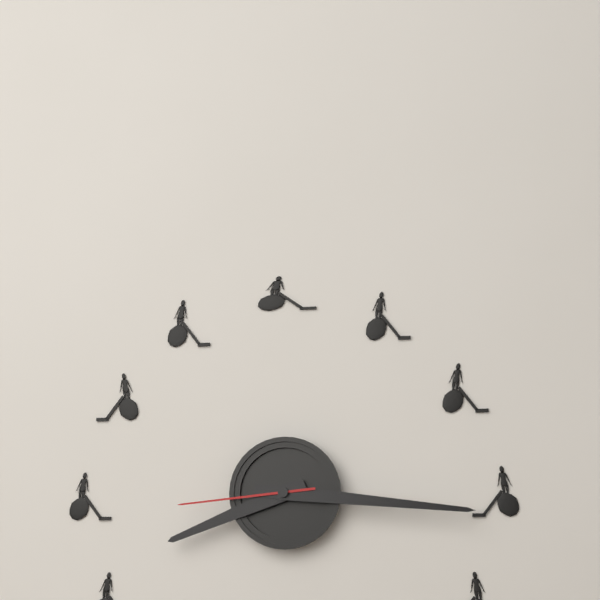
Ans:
8h16m44s
